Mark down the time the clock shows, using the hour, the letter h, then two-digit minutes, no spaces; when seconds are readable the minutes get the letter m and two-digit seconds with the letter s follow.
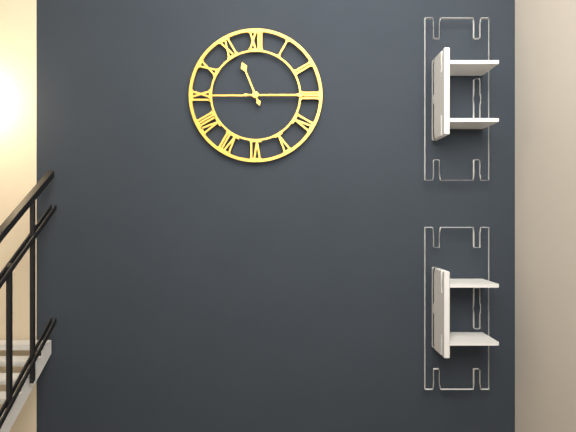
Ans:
11h15
